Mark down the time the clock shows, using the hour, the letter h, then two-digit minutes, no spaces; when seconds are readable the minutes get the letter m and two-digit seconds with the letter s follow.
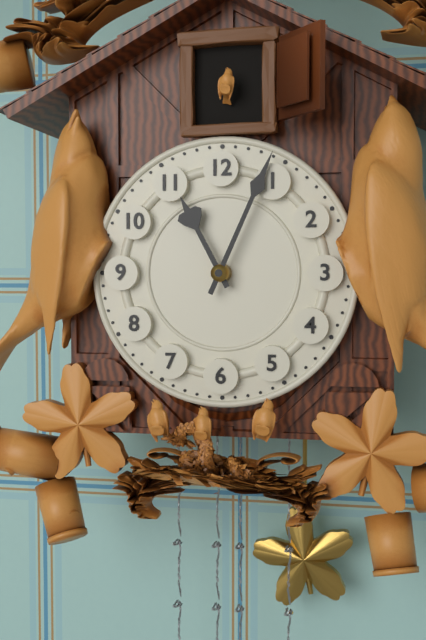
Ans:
11h04
